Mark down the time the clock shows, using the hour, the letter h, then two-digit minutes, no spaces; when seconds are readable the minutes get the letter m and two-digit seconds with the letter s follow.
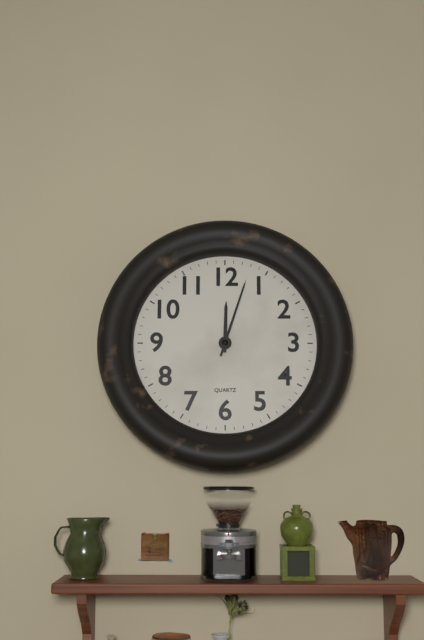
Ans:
12h03
